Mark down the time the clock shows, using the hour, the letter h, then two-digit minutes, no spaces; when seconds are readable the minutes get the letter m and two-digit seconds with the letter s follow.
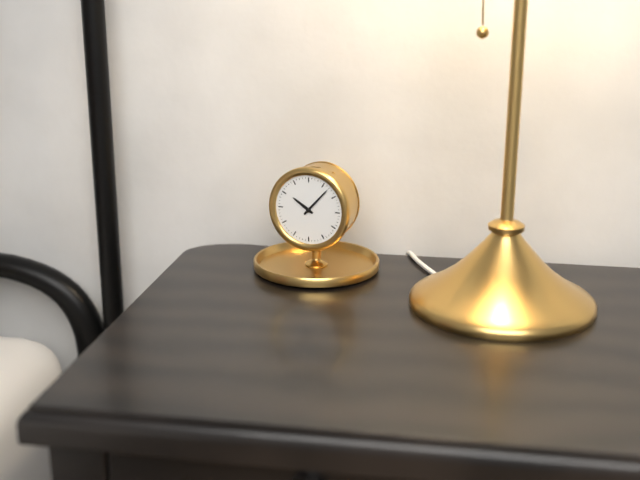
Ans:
10h07
